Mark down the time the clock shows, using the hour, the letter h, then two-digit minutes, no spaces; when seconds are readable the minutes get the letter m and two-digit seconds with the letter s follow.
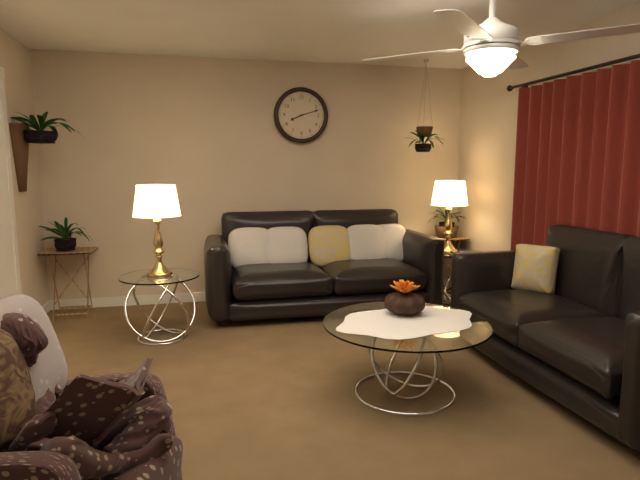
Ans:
8h12
